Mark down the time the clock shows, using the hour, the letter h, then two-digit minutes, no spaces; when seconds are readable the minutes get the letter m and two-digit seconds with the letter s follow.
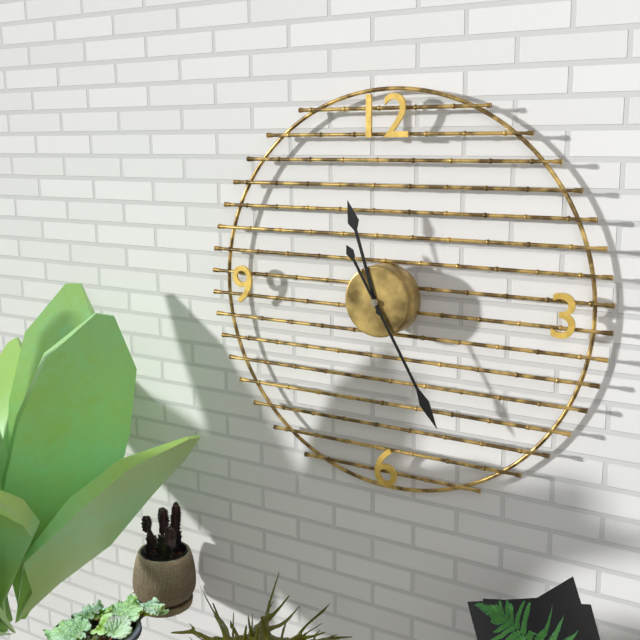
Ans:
11h25
